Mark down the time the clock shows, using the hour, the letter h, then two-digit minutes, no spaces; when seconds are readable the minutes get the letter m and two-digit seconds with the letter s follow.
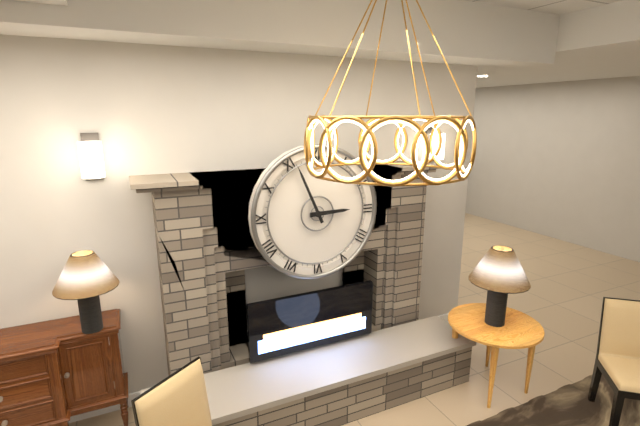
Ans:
2h56
